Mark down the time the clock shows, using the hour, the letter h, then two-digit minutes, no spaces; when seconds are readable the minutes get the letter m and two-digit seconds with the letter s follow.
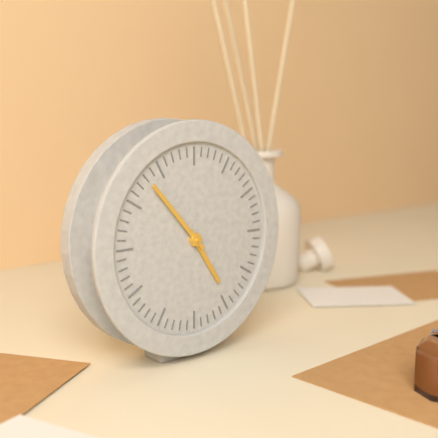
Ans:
4h53
